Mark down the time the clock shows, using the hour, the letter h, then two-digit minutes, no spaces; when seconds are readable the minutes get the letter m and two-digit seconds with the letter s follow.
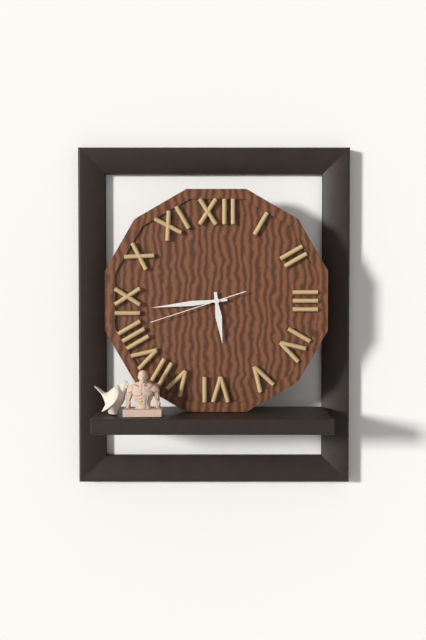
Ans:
5h44m42s
